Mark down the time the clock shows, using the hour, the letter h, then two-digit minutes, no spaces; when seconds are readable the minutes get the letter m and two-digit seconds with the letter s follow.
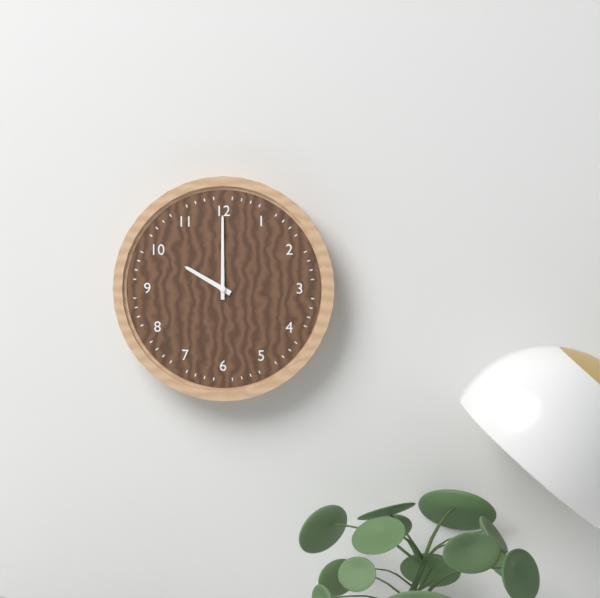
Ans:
10h00
